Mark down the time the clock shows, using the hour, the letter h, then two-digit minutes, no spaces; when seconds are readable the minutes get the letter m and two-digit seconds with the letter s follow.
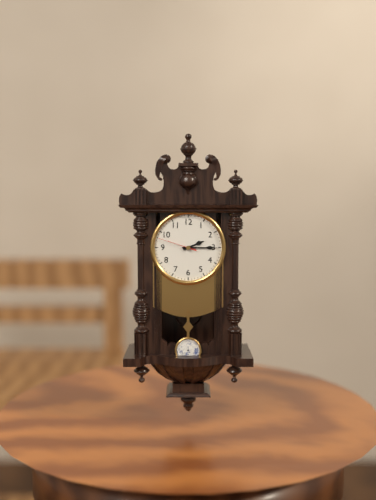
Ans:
2h15
